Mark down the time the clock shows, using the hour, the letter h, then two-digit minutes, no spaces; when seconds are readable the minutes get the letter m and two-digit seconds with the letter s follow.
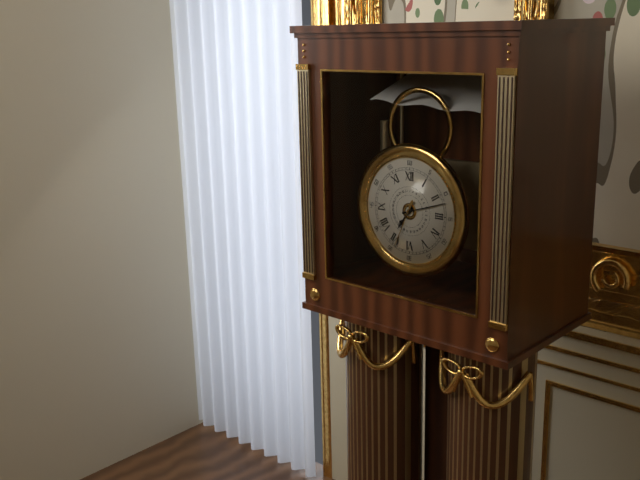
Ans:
7h12
